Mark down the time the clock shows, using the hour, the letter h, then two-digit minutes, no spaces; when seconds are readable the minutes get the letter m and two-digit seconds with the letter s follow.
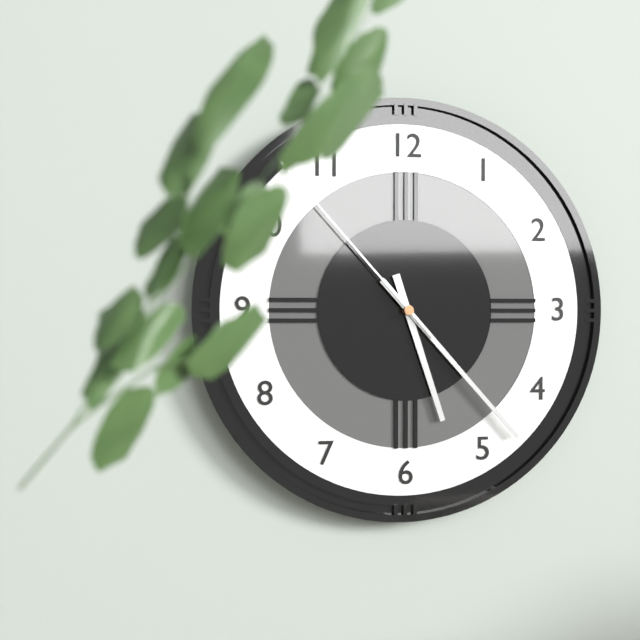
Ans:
5h23m53s
